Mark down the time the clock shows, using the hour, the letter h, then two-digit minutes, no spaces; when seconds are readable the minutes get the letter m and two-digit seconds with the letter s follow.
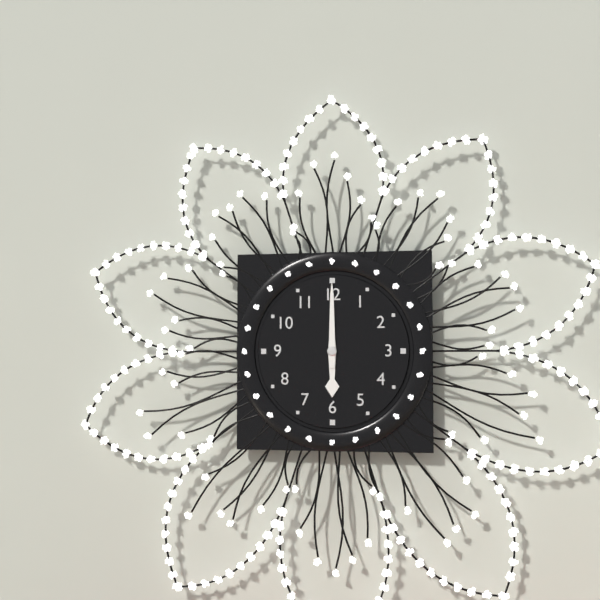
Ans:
6h00
